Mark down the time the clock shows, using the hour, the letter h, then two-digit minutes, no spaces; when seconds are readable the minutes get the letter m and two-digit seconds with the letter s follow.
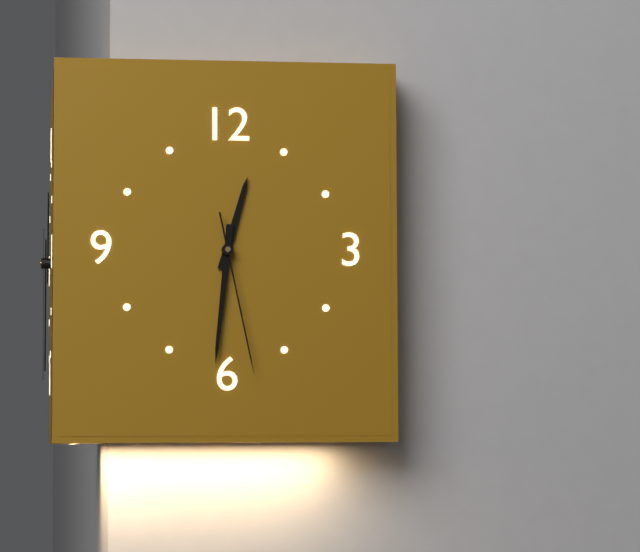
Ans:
12h31m28s
